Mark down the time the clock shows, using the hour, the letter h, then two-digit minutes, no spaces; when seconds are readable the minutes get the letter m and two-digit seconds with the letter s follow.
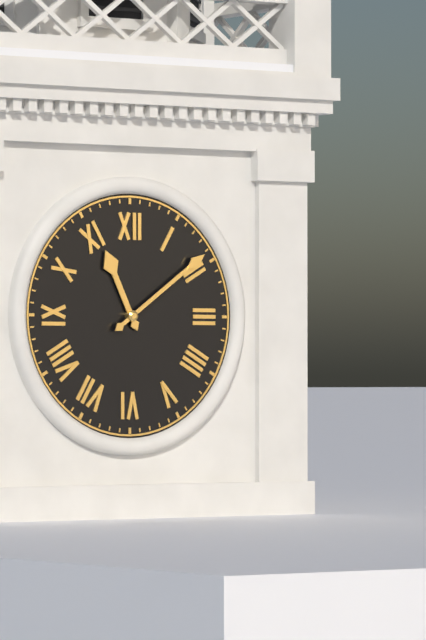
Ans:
11h09
